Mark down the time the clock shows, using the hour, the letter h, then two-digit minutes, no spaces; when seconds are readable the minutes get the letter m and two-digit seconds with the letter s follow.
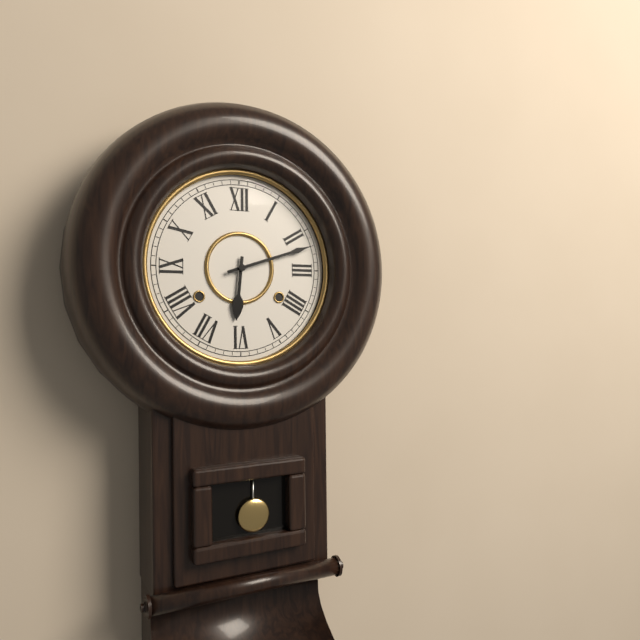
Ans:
6h12
